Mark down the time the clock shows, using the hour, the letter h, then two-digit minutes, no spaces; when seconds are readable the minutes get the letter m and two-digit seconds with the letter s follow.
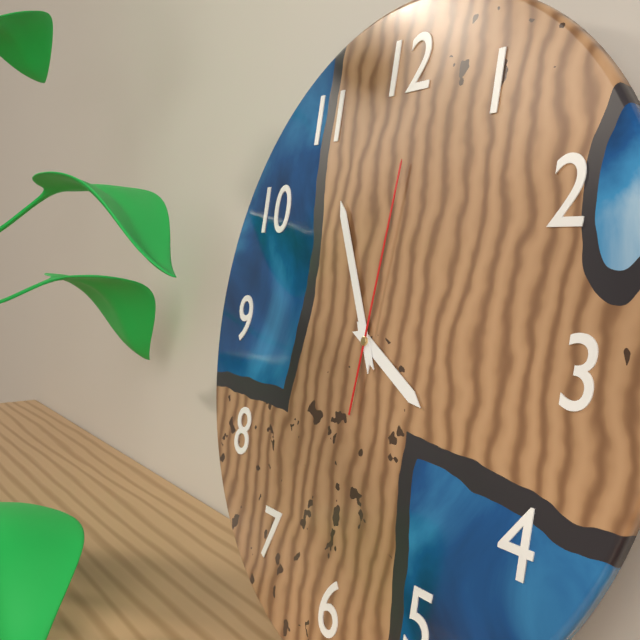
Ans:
3h55m01s
